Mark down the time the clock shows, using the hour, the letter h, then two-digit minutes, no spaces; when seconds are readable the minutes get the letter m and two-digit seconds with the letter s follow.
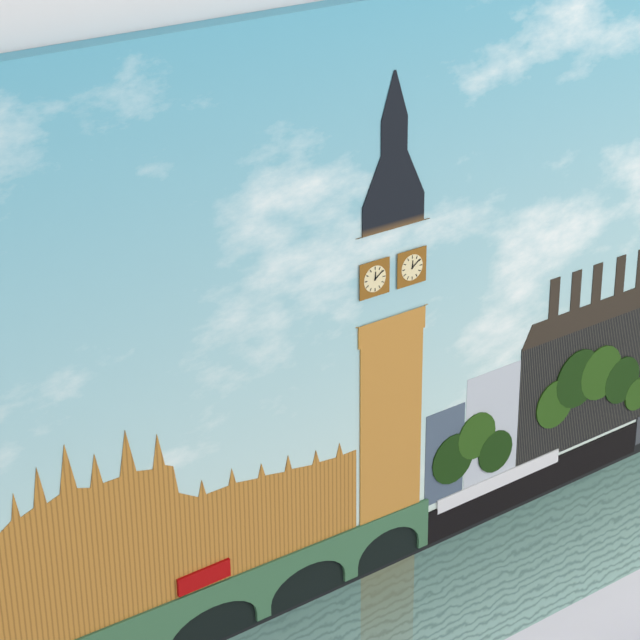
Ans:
12h09
